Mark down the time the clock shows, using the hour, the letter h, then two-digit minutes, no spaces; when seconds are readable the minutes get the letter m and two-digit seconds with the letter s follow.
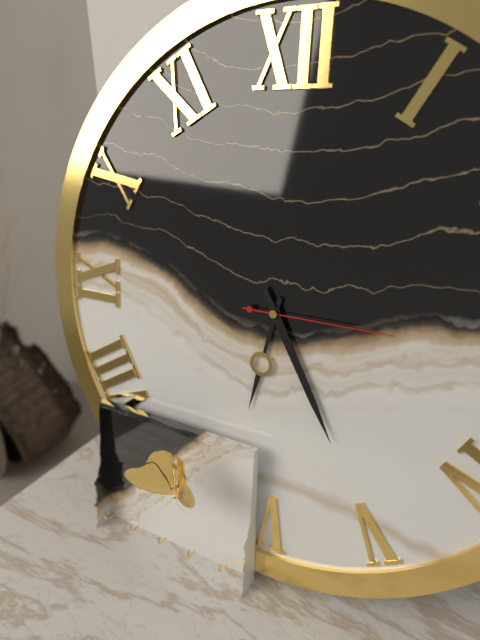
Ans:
6h25m15s
